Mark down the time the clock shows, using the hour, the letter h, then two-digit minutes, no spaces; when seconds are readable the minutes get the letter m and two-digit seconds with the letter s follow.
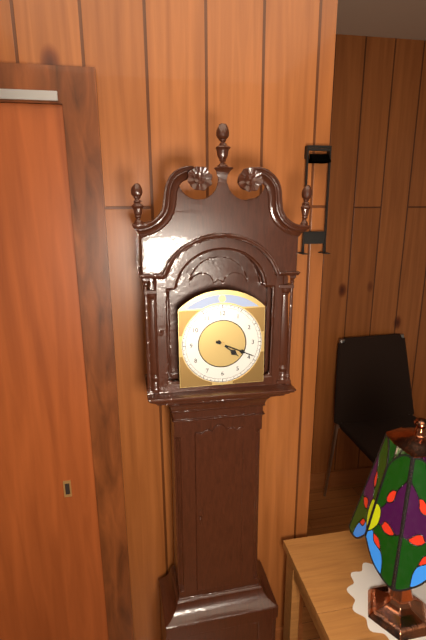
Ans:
4h19
